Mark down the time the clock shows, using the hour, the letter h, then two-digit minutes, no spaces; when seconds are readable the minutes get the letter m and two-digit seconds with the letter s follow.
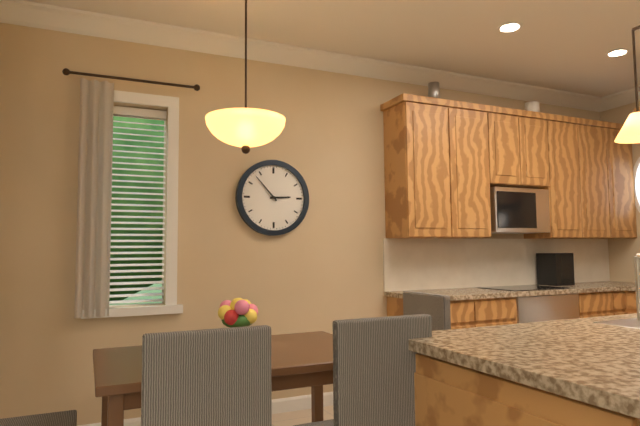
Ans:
2h53
